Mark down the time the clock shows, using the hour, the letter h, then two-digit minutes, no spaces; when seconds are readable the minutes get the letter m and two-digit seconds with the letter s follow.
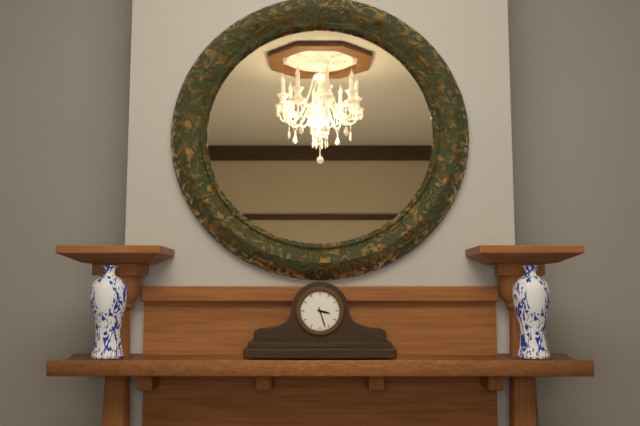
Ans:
3h27
